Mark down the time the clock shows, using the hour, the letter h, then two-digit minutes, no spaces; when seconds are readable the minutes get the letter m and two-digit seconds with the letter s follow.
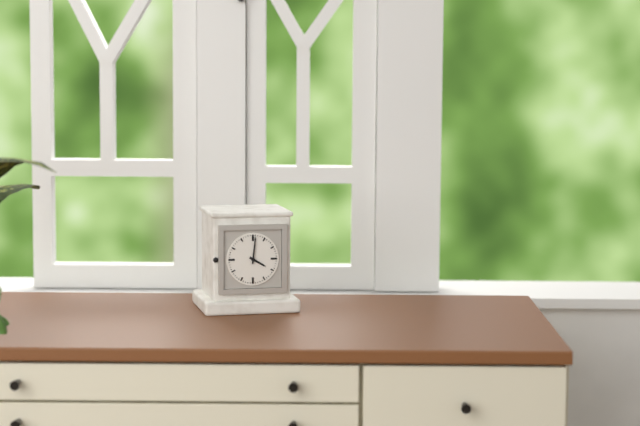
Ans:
4h01
